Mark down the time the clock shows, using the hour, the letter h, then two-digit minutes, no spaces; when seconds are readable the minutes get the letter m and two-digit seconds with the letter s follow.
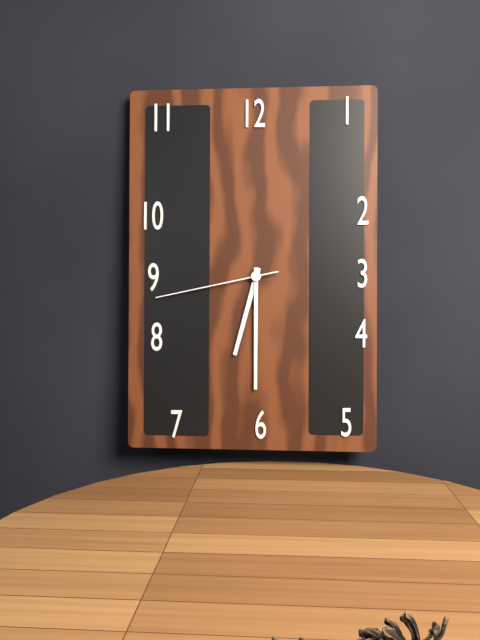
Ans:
6h30m43s
